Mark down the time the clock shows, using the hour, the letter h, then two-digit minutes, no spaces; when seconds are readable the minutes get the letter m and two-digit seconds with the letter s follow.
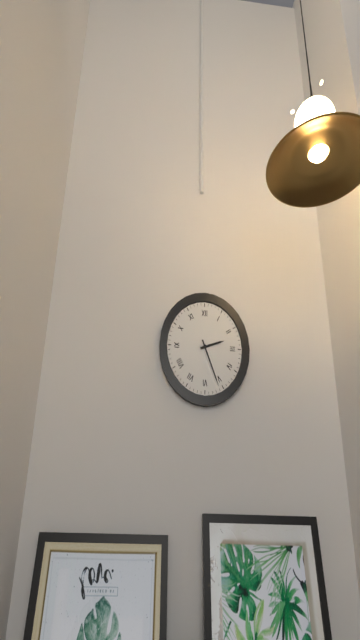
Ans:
2h26
